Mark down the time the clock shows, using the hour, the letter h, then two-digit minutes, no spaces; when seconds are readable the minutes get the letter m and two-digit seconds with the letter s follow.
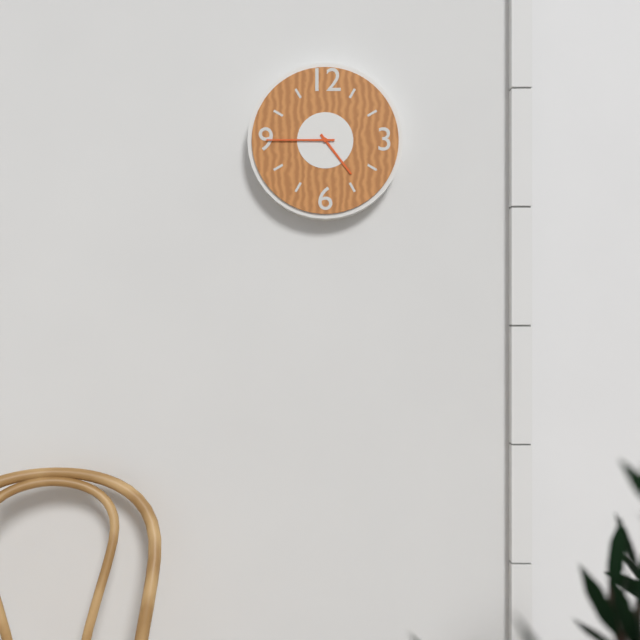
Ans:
4h45
